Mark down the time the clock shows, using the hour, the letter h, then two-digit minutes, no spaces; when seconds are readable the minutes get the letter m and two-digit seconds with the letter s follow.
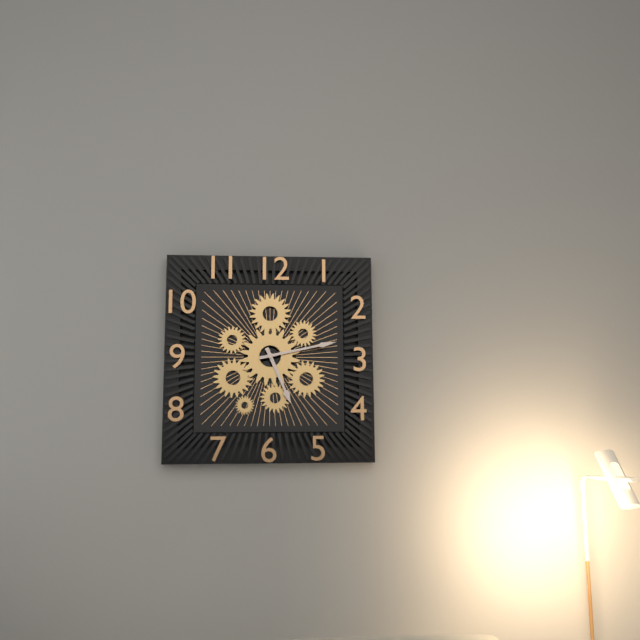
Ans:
5h13
